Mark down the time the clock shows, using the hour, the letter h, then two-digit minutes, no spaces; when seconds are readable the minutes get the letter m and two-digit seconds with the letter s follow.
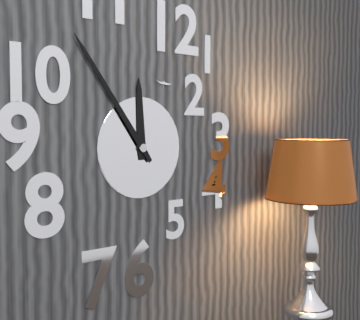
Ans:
11h54
